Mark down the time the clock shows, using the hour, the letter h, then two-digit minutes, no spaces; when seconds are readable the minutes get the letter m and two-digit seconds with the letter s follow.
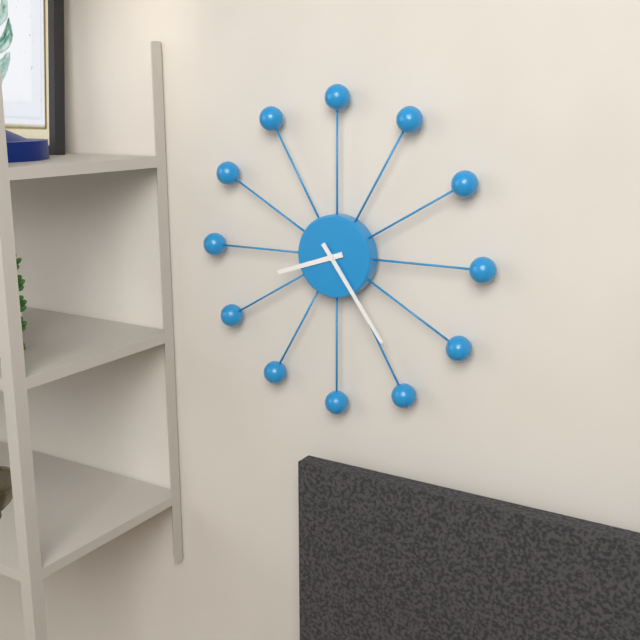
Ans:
8h24
